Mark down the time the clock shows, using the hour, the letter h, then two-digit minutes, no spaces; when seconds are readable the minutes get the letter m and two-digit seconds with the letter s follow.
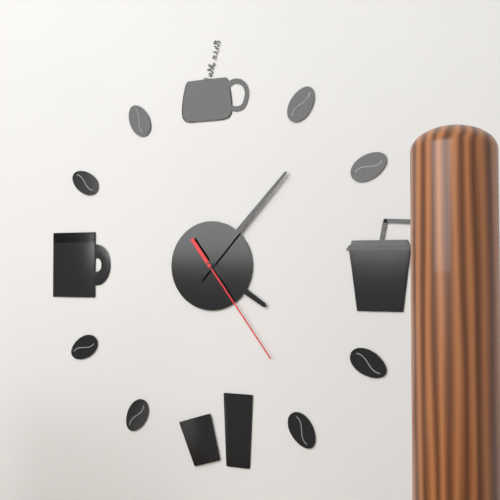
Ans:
4h07m24s
